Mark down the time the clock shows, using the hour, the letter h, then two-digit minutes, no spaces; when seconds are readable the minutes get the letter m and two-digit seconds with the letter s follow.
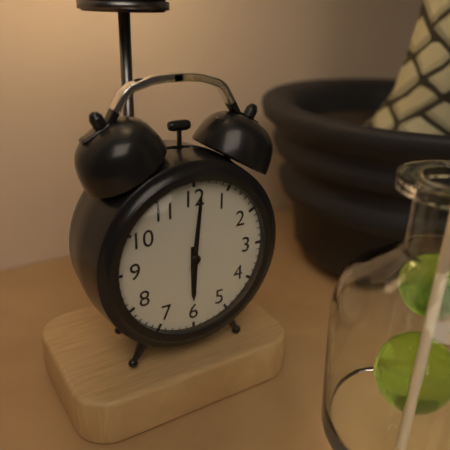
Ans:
6h01
